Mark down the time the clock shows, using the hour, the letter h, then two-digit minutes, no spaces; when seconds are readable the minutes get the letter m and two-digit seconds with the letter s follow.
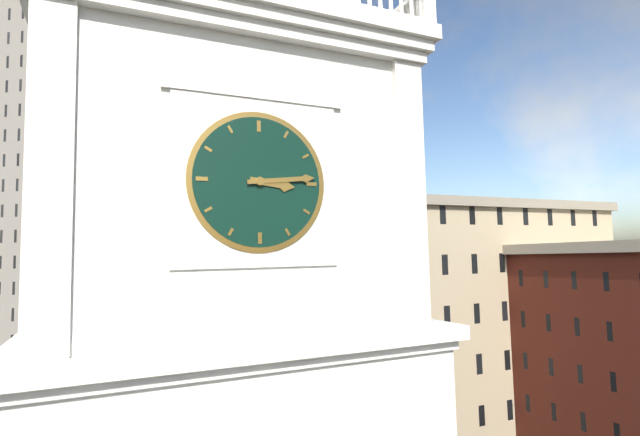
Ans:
3h14
